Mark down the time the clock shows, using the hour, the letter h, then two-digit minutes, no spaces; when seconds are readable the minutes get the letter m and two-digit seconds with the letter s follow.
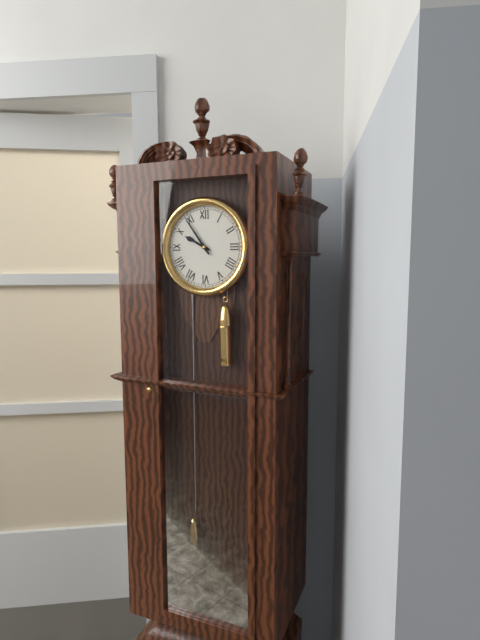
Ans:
9h54
